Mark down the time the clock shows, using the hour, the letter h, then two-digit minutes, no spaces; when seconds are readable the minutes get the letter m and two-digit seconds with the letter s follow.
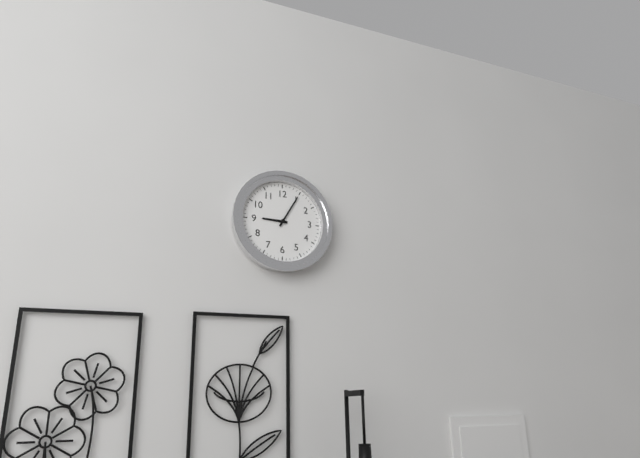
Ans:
9h05
